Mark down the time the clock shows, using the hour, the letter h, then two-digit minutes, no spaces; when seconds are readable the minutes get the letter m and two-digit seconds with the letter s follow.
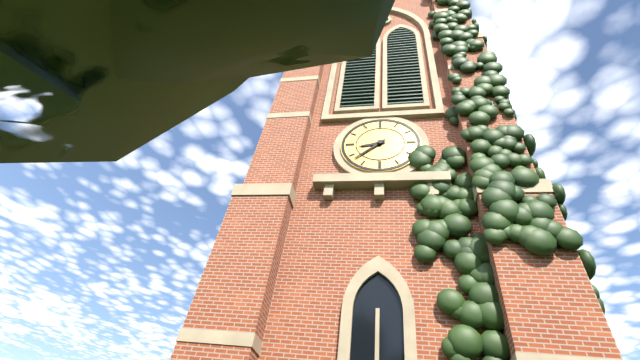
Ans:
8h38
